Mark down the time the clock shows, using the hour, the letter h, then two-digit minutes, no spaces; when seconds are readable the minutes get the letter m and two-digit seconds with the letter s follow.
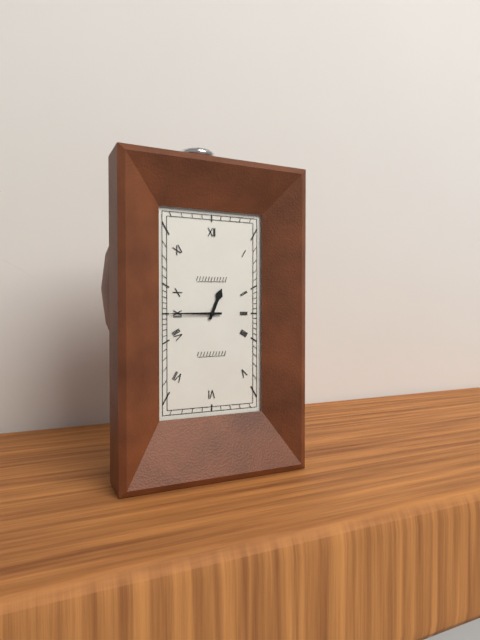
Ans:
12h45
